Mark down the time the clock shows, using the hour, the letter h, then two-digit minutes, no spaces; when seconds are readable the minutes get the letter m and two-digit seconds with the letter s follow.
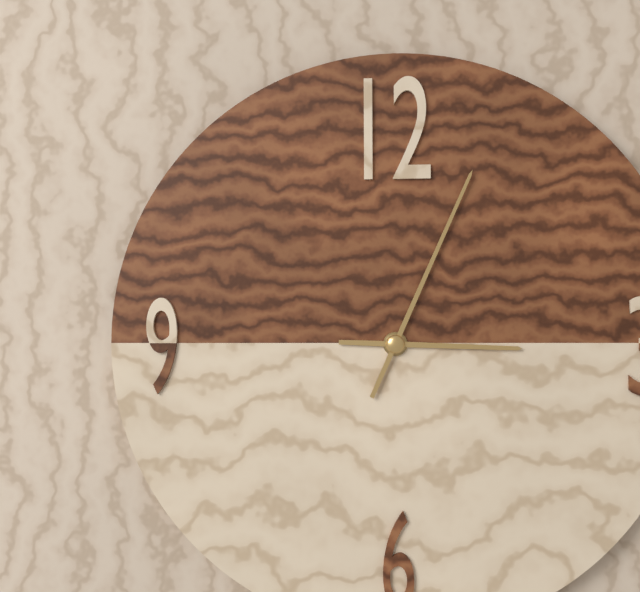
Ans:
3h04
